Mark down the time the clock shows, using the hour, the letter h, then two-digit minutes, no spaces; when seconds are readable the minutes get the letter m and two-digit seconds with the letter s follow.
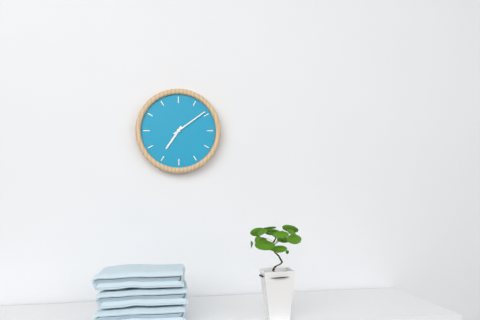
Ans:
7h09
